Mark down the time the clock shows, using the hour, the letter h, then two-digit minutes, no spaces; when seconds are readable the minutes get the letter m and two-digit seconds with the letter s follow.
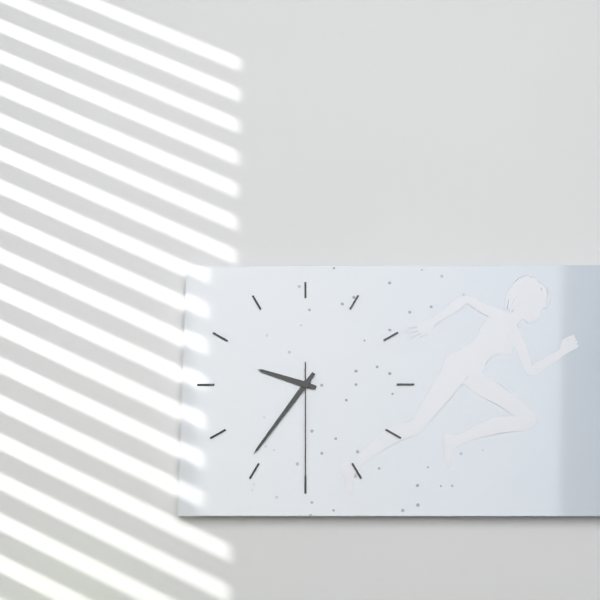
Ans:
9h36m30s
